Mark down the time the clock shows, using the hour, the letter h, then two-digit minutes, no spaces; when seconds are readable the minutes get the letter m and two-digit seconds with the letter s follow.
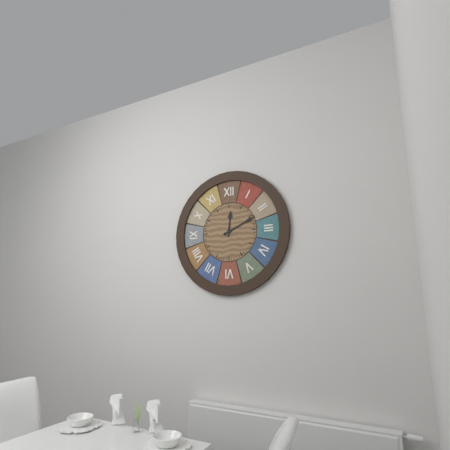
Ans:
12h11
